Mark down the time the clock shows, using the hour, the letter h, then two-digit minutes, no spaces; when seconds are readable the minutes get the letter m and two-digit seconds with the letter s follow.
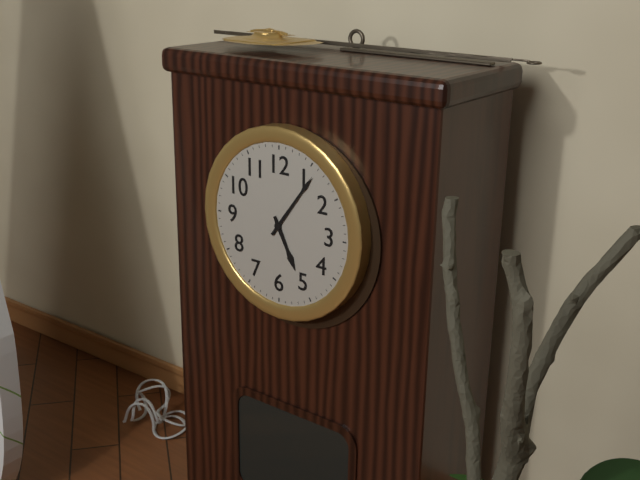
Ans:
5h06
